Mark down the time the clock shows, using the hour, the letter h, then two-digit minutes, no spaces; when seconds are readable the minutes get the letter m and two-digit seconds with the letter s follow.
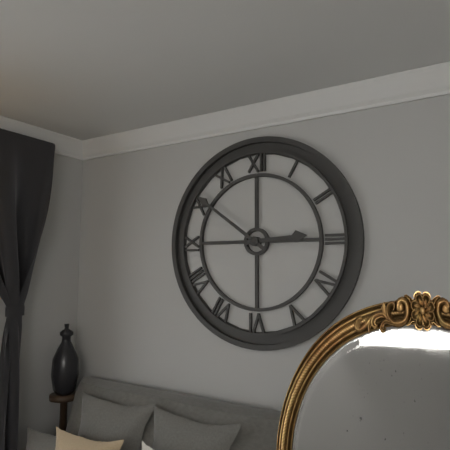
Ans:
2h51
